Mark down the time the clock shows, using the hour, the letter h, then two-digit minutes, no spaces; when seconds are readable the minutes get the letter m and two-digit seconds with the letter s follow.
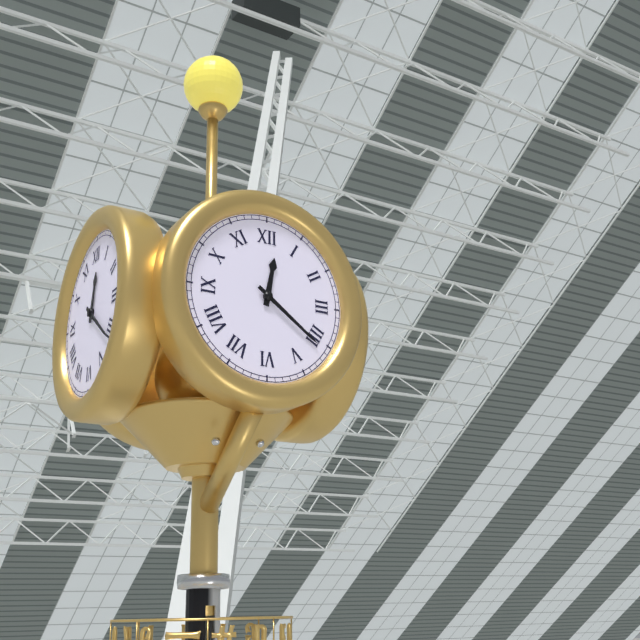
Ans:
12h21
